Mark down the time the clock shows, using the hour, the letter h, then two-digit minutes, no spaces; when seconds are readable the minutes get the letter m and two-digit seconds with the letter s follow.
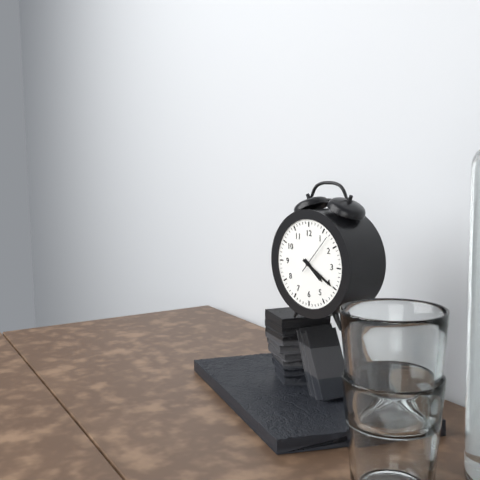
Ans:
4h20
